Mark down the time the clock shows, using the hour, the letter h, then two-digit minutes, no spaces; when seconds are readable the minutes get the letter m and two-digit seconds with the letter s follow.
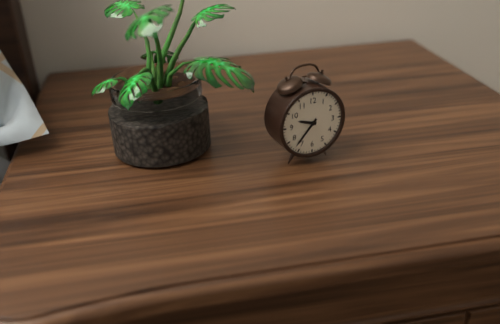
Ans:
9h37
